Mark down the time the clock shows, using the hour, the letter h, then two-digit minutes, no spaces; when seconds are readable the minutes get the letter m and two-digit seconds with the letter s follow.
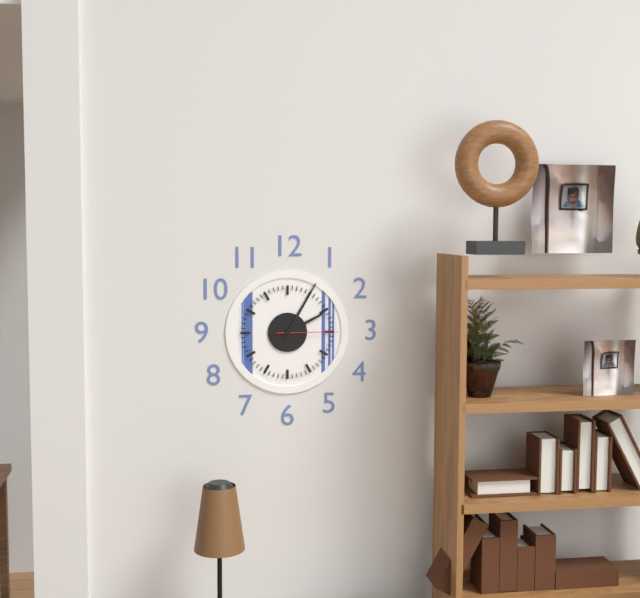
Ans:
2h05m15s
